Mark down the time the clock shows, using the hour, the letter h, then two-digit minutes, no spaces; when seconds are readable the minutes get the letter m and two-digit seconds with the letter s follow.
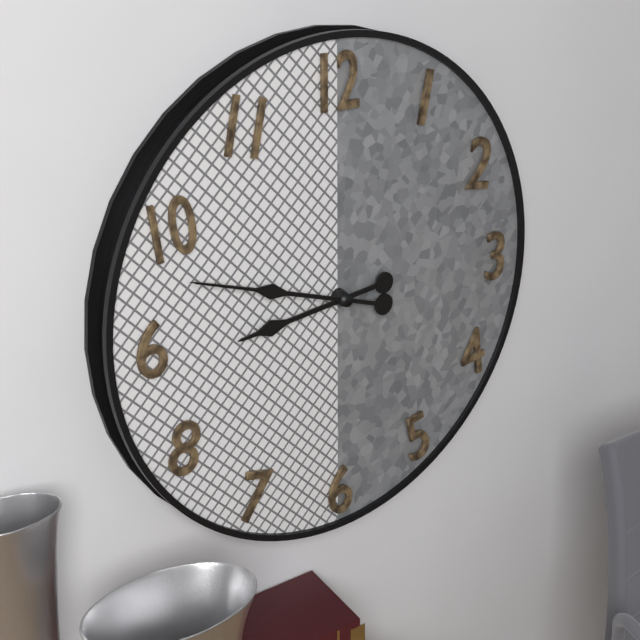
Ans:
8h48
